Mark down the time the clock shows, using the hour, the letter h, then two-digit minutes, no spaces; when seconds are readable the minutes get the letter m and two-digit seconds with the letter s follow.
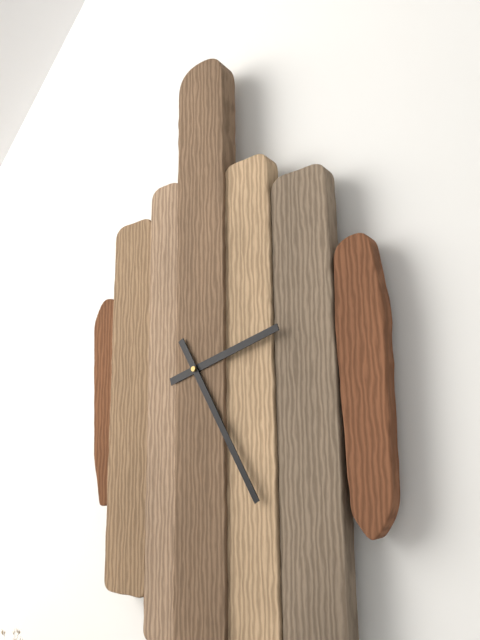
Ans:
2h25
